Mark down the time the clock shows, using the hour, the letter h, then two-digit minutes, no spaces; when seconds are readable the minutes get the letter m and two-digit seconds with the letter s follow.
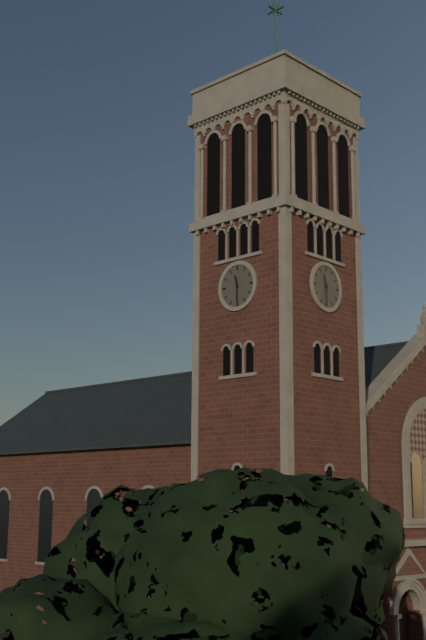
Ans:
11h30
